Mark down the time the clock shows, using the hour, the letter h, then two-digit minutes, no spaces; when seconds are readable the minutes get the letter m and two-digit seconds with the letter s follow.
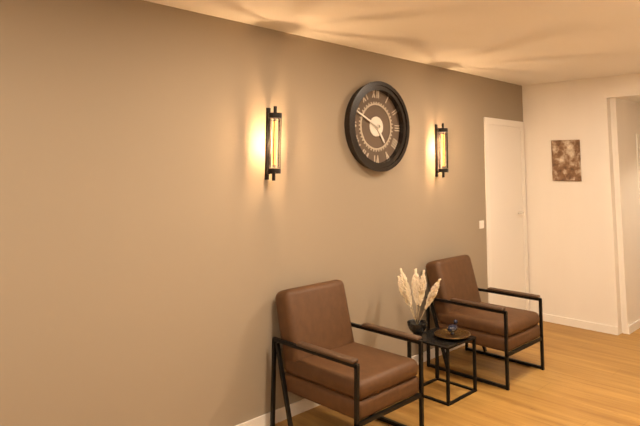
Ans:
4h49
